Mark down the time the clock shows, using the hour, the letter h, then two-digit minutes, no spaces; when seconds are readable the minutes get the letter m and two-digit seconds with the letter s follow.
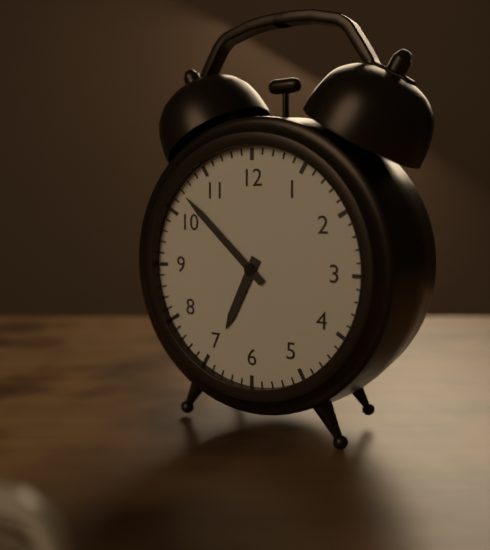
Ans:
6h52
